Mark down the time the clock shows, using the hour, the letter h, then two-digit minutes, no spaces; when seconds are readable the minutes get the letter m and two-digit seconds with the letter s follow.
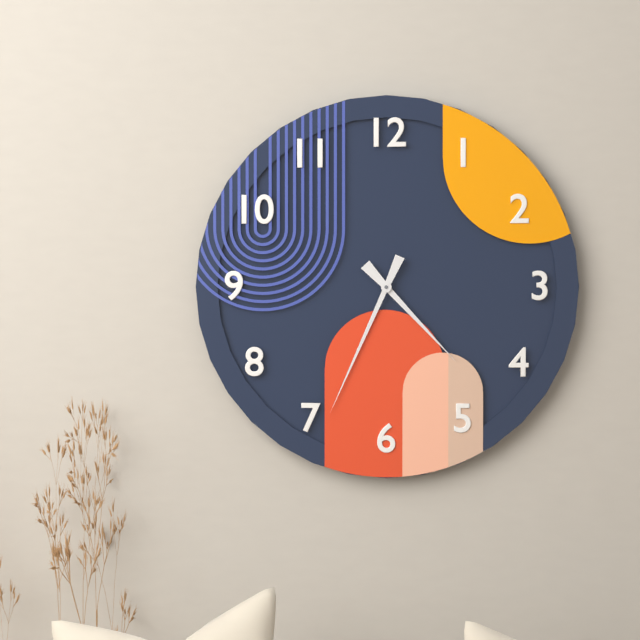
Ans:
4h34
